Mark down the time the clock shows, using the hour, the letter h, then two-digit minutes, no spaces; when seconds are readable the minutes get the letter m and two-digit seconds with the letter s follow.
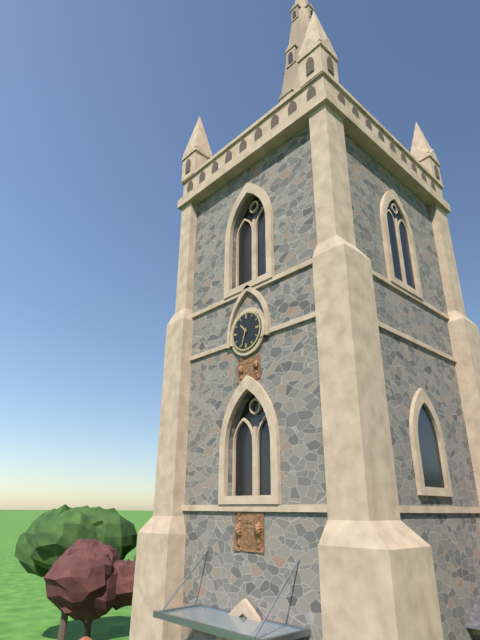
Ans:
10h33
